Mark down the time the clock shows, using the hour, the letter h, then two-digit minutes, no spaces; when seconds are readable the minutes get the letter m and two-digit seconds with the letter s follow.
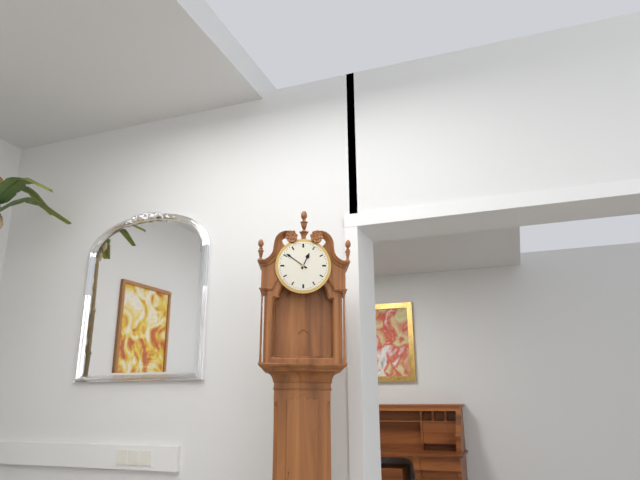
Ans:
12h51
